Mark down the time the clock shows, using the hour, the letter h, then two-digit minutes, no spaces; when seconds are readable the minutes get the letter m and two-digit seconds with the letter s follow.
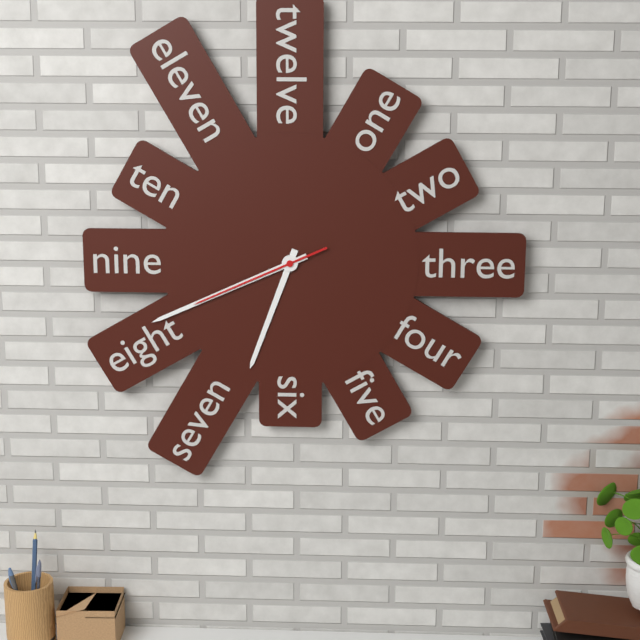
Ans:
6h41m41s
